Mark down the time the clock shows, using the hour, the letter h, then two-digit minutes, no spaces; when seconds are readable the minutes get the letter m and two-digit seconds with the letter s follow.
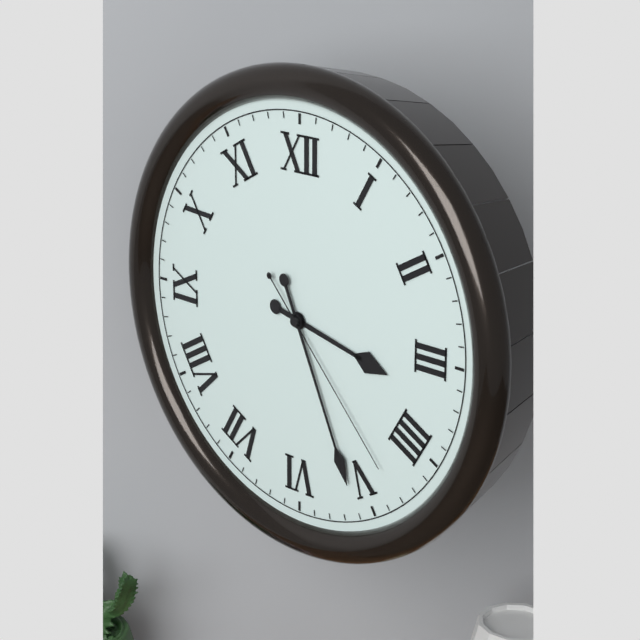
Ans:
3h26m23s
